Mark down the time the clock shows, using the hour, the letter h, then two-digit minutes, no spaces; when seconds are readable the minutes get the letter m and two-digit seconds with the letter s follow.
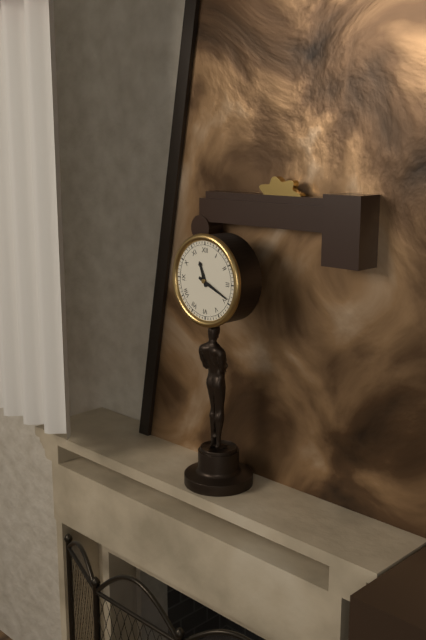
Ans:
11h19
